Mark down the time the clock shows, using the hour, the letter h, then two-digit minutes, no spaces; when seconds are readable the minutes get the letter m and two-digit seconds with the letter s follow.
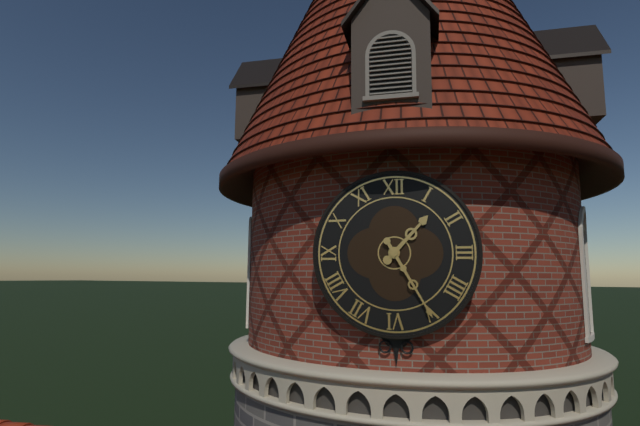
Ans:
1h25
